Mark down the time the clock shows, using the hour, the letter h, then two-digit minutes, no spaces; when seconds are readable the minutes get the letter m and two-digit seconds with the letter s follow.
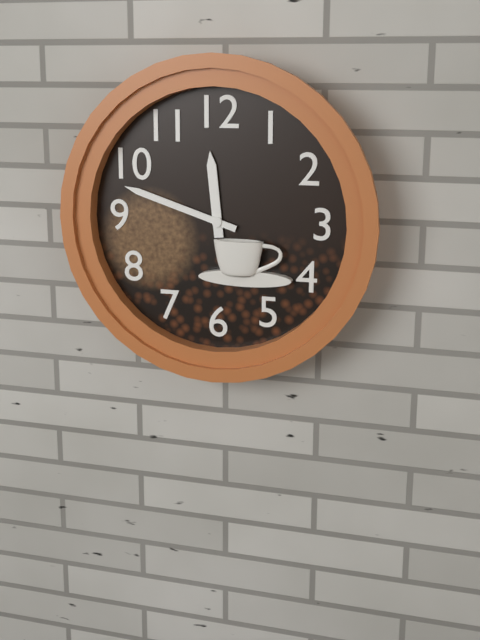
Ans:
11h48
